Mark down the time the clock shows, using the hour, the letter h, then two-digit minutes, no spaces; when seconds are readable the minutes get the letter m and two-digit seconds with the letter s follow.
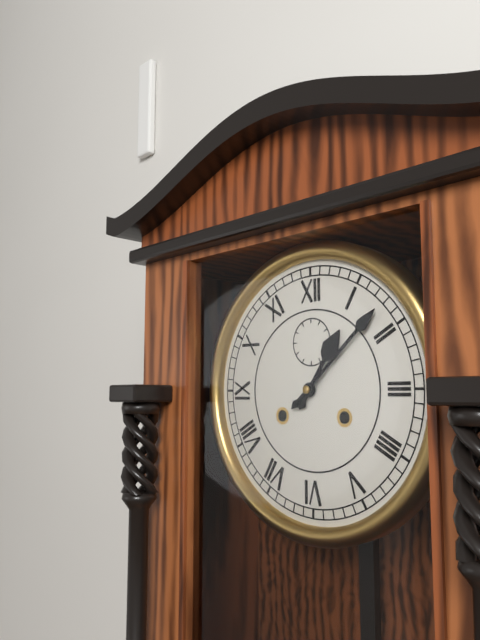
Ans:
1h08
